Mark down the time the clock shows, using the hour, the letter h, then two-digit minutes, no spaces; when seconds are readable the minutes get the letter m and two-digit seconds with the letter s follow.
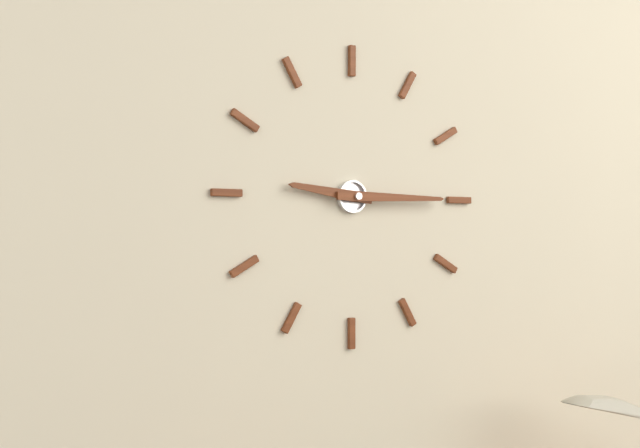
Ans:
9h15
